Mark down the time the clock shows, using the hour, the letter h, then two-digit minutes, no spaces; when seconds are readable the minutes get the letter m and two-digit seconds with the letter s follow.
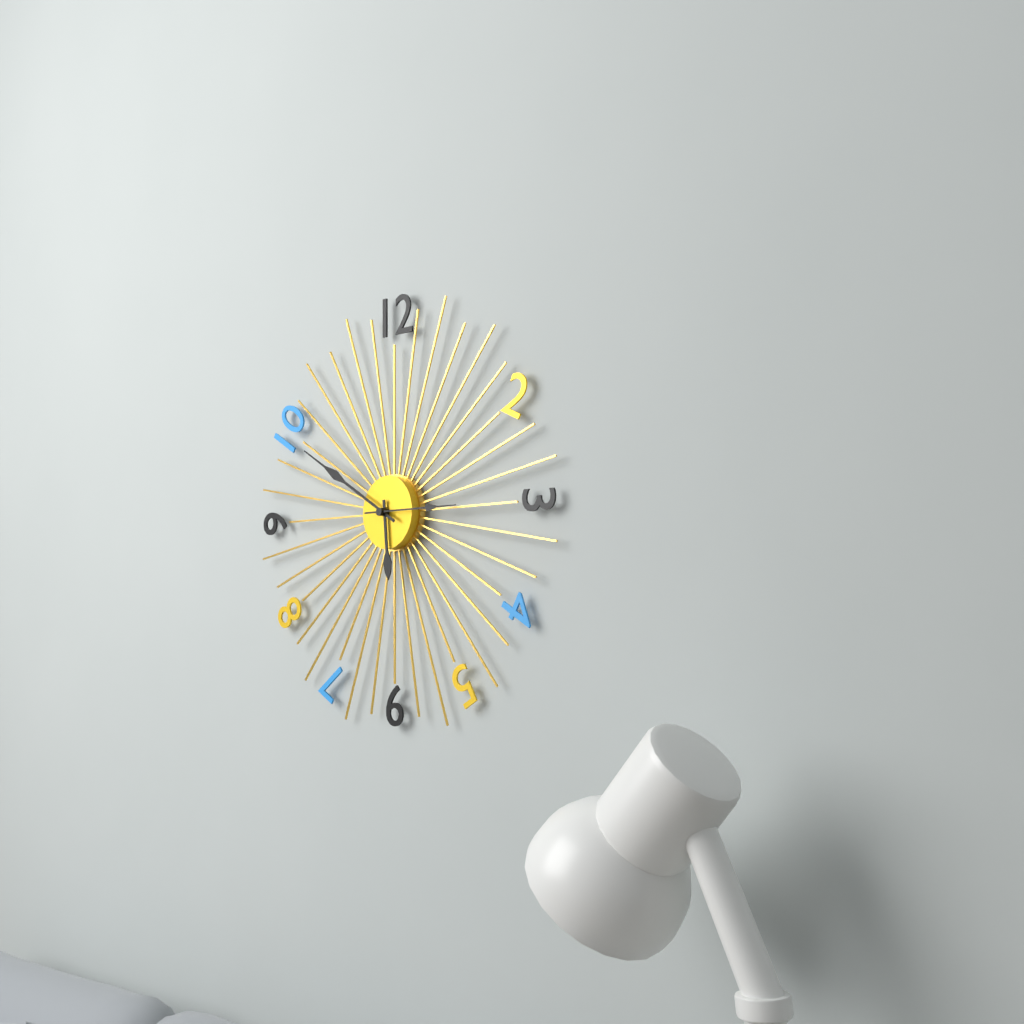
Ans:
5h50m15s
